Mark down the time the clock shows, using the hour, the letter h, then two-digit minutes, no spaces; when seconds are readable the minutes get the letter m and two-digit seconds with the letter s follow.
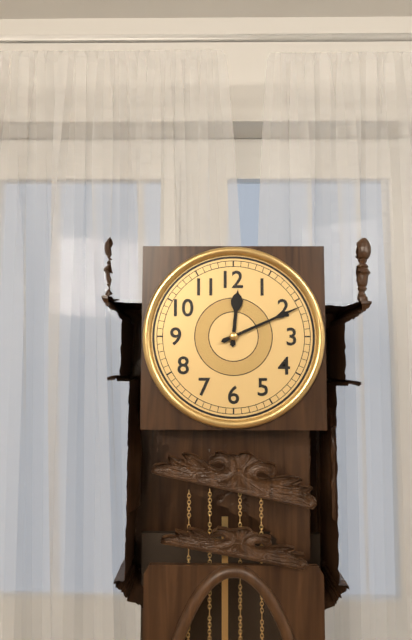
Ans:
12h11
